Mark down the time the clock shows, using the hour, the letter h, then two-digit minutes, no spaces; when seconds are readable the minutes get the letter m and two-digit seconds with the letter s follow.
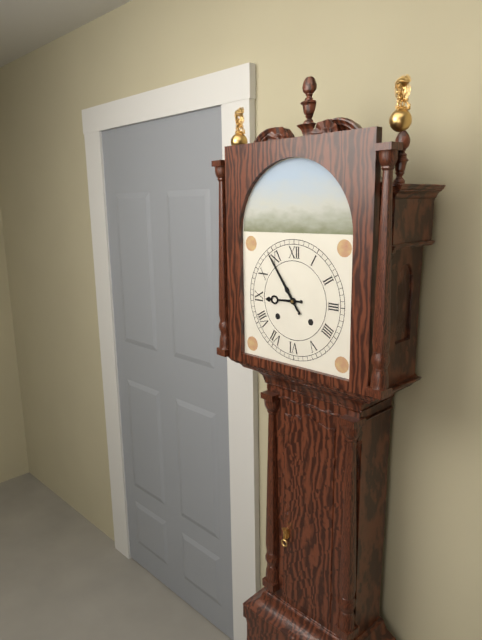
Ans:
8h54
